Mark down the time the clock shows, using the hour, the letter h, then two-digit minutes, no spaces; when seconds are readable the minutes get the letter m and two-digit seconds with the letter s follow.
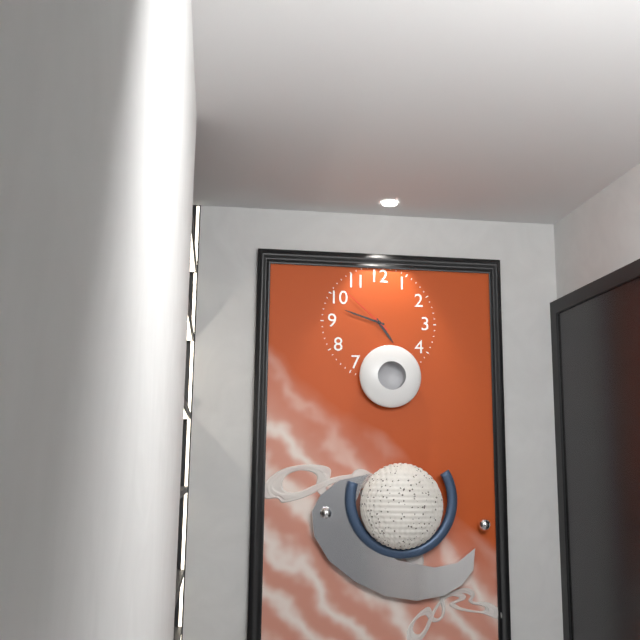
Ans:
4h48m52s
